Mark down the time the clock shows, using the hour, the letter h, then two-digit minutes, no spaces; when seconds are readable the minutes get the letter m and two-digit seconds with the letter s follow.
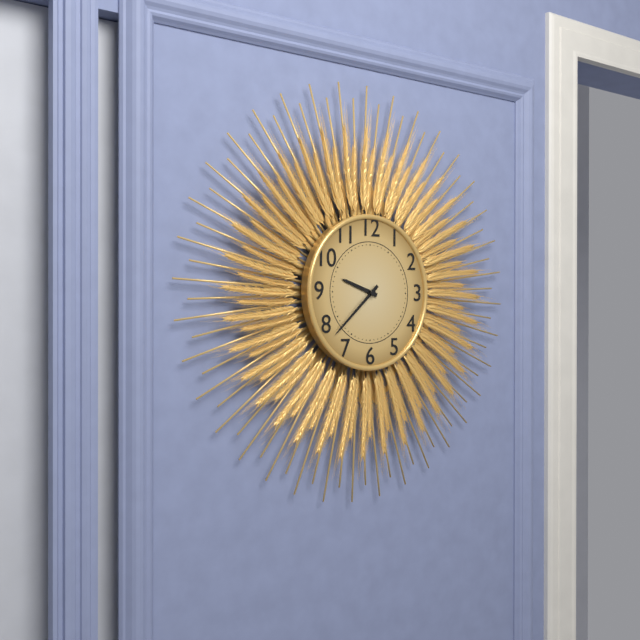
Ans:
9h38
